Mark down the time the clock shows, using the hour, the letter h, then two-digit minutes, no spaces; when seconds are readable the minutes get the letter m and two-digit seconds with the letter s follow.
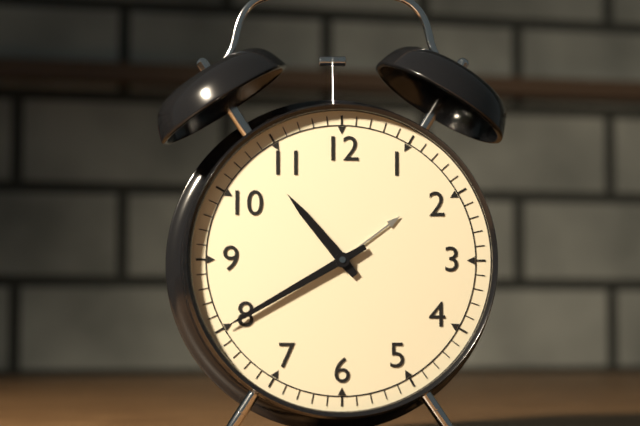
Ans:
10h40
